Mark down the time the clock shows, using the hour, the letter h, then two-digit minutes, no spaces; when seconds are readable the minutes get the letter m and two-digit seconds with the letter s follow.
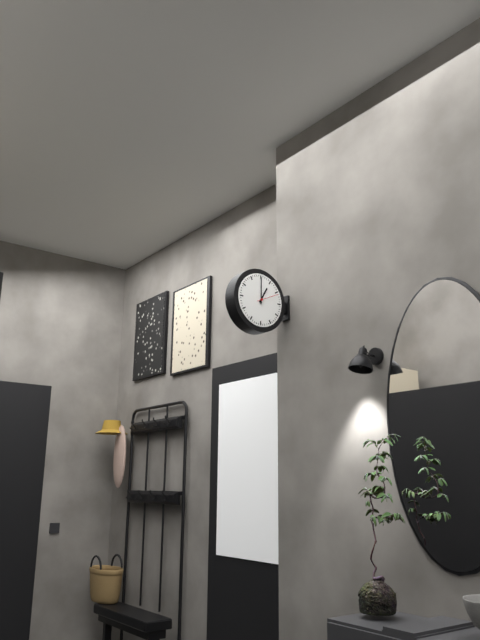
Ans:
1h00
